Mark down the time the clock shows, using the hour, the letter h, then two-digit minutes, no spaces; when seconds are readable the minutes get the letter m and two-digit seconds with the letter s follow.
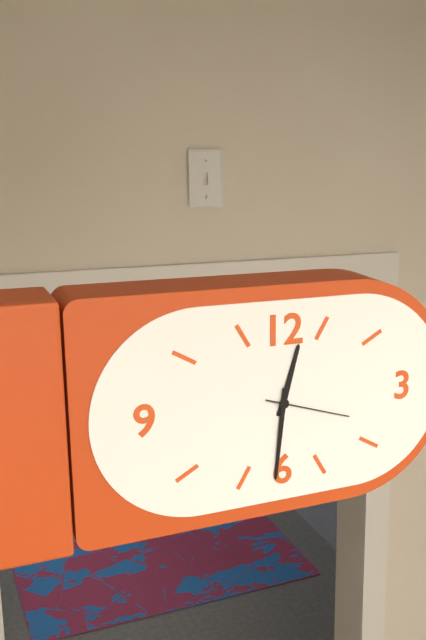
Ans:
12h31m18s
